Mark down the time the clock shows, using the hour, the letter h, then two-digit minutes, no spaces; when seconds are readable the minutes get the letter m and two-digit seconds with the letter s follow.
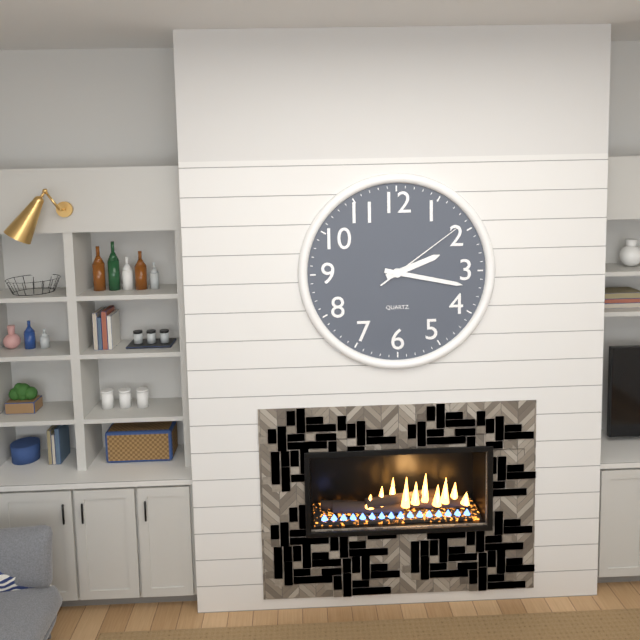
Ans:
2h17m09s
